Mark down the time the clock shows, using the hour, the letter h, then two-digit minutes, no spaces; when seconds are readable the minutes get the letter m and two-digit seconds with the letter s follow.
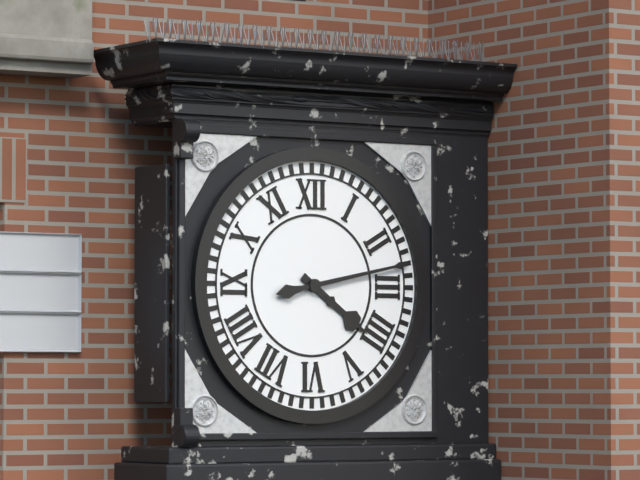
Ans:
4h13
